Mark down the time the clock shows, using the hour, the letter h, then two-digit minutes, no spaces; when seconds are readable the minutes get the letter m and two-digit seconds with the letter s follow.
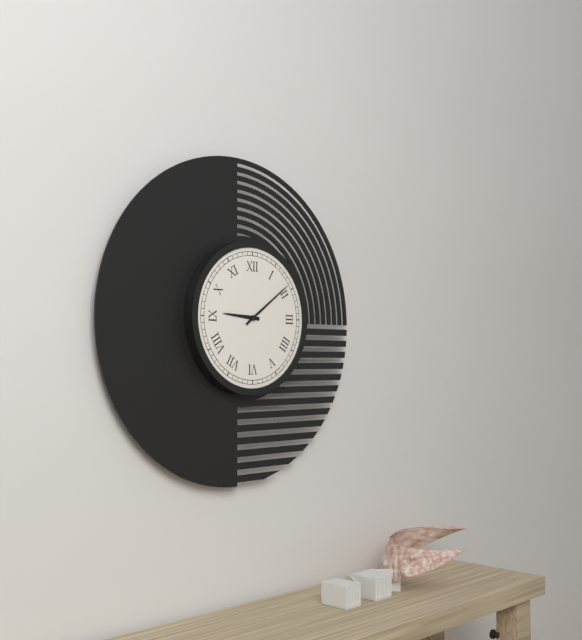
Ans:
9h09
